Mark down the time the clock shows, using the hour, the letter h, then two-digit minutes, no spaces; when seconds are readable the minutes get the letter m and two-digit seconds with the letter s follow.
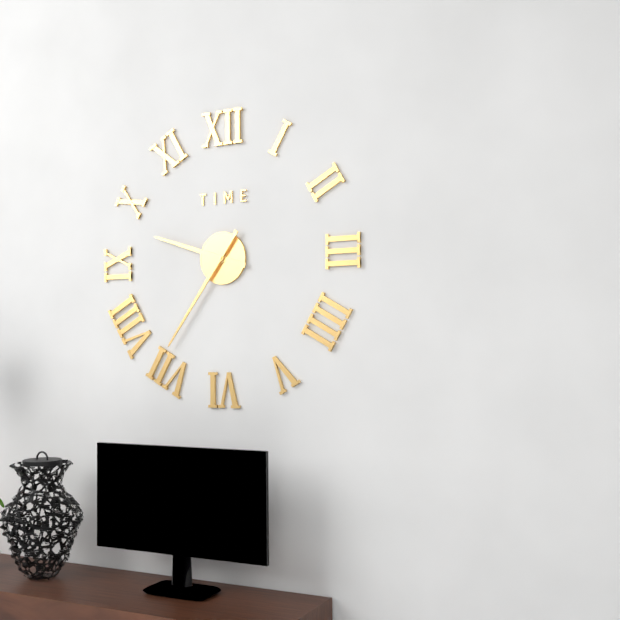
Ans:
9h36
